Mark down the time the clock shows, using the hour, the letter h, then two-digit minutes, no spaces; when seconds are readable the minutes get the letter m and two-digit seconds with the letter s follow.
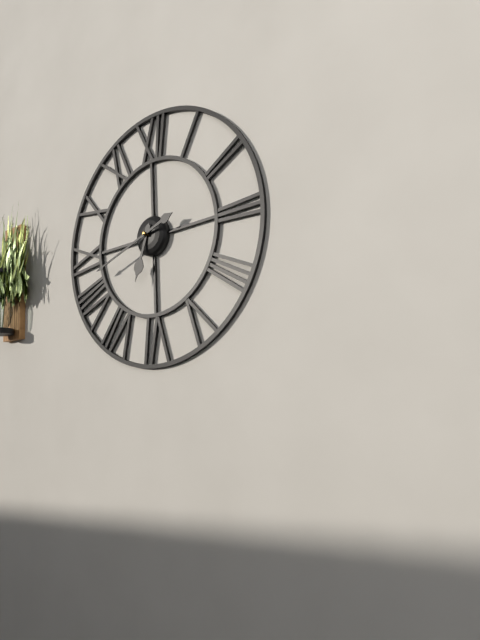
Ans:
6h42
